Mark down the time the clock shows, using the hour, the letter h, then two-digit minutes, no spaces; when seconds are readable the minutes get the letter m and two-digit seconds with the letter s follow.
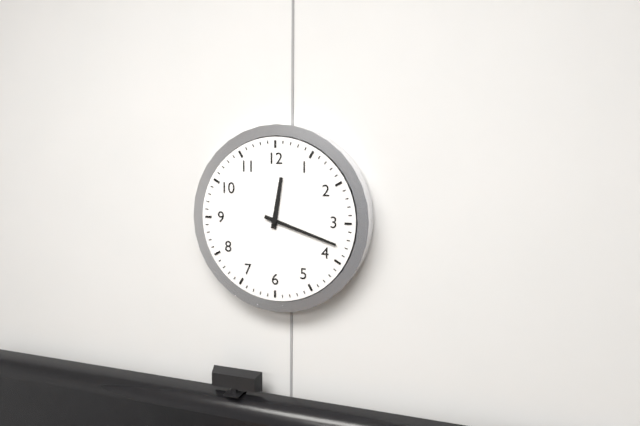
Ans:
12h18
